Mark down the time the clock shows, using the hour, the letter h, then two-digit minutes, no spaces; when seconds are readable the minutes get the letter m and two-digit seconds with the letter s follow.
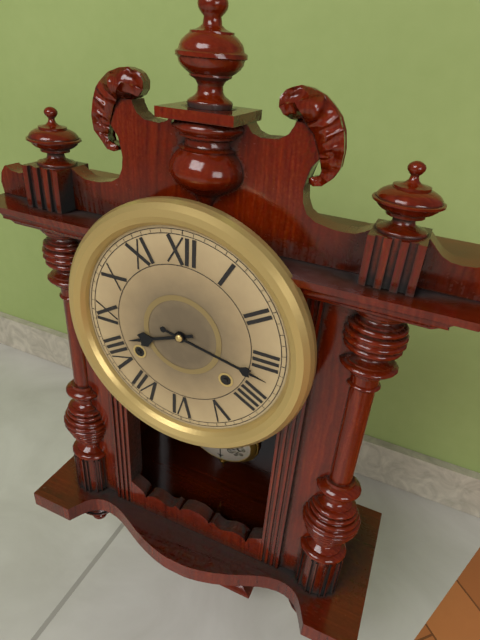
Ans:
8h17
